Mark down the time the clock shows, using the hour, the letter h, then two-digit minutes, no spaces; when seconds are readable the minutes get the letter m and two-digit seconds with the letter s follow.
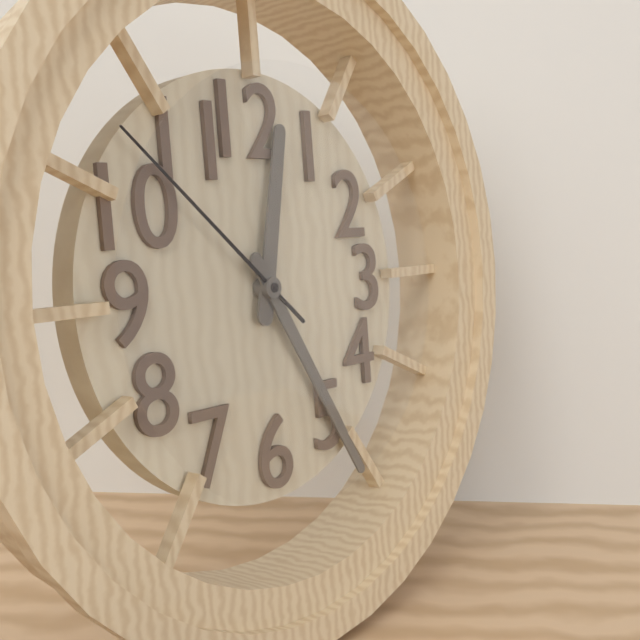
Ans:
12h25m52s
